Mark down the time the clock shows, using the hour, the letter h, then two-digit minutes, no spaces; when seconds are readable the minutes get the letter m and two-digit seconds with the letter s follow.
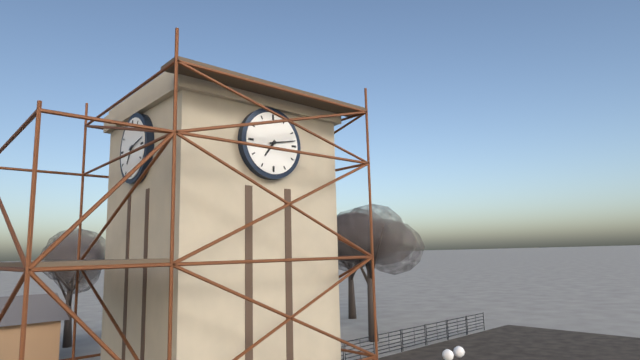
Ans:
7h13
